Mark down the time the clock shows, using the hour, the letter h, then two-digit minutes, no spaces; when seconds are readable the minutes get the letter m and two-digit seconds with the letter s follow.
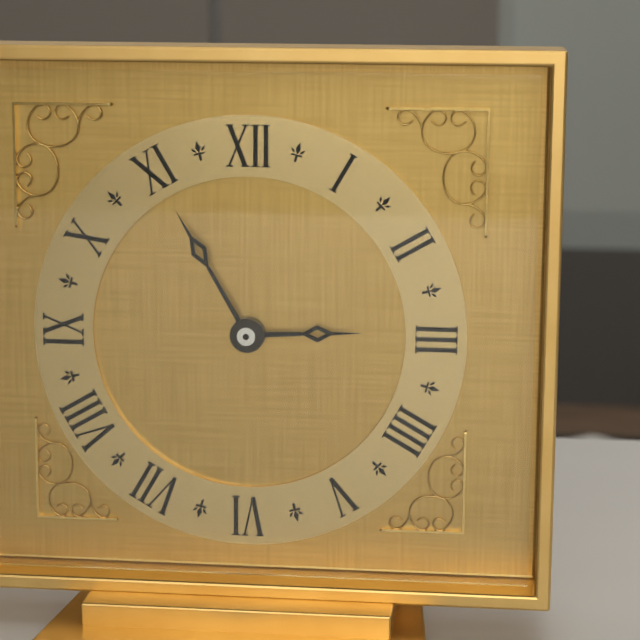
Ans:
2h55
